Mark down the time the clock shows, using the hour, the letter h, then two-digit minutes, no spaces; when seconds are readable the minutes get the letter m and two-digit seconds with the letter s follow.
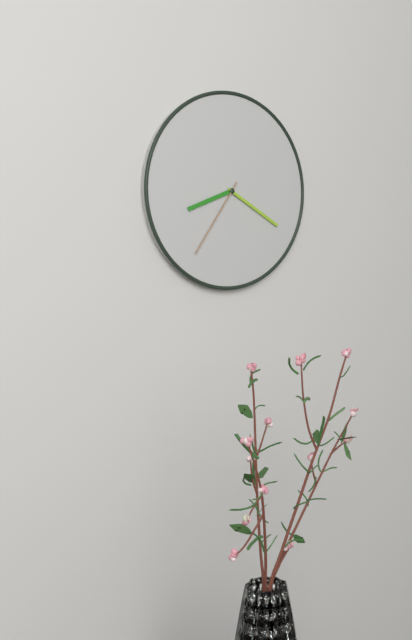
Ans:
8h20m36s
